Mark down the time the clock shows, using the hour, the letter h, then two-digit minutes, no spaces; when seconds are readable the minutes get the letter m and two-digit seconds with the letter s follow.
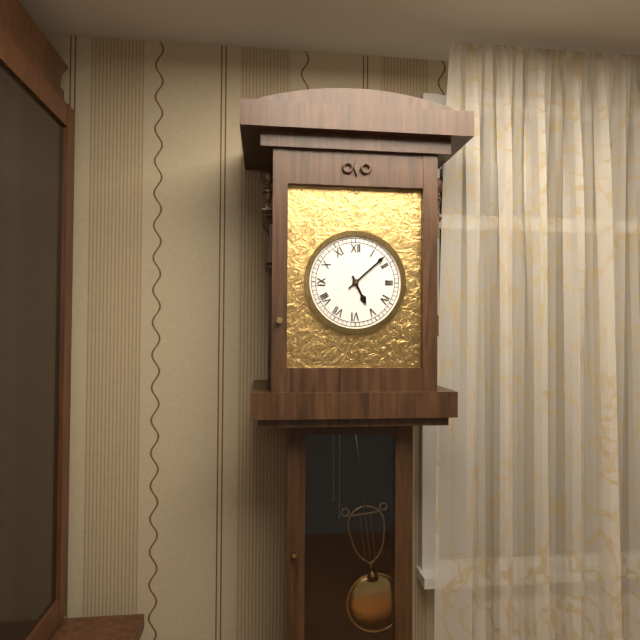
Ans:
5h08
